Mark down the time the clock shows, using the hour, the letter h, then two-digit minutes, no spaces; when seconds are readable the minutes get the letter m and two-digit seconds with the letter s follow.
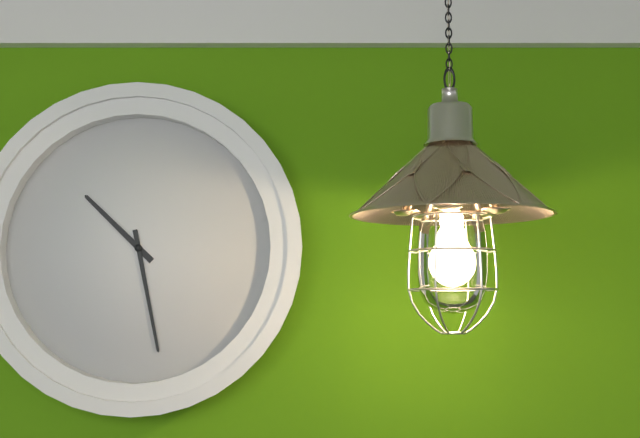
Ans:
10h28
